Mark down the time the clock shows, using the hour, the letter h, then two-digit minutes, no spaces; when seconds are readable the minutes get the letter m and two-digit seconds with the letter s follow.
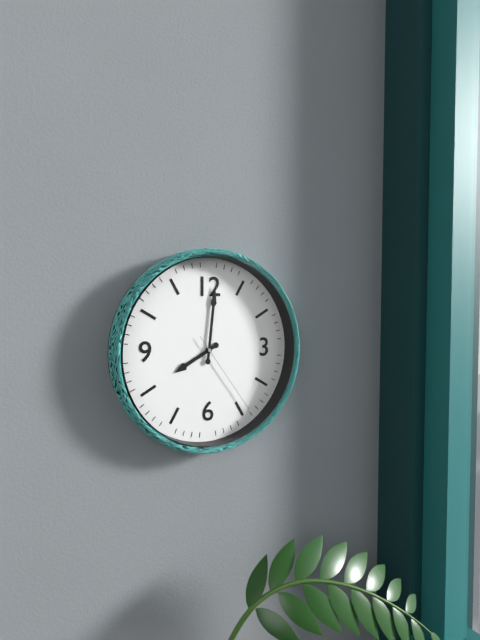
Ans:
8h01m24s
